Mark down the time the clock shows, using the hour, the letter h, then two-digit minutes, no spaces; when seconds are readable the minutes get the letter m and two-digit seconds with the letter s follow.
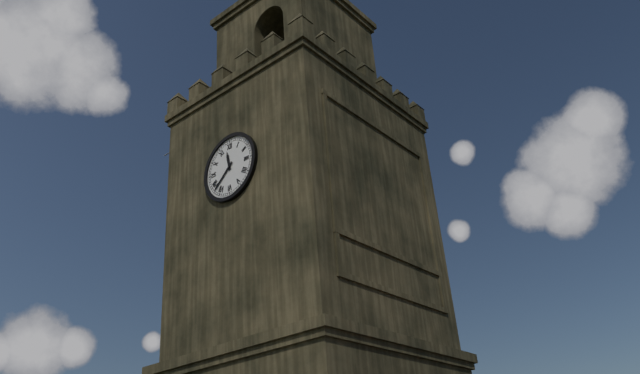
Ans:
11h38
